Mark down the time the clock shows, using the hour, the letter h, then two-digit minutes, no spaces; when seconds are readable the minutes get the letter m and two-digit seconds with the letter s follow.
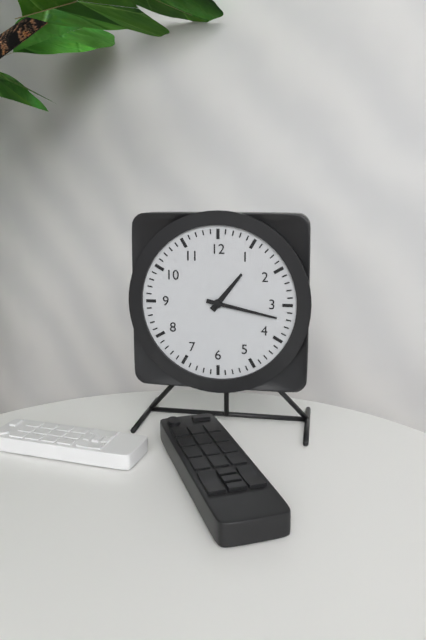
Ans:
1h17
